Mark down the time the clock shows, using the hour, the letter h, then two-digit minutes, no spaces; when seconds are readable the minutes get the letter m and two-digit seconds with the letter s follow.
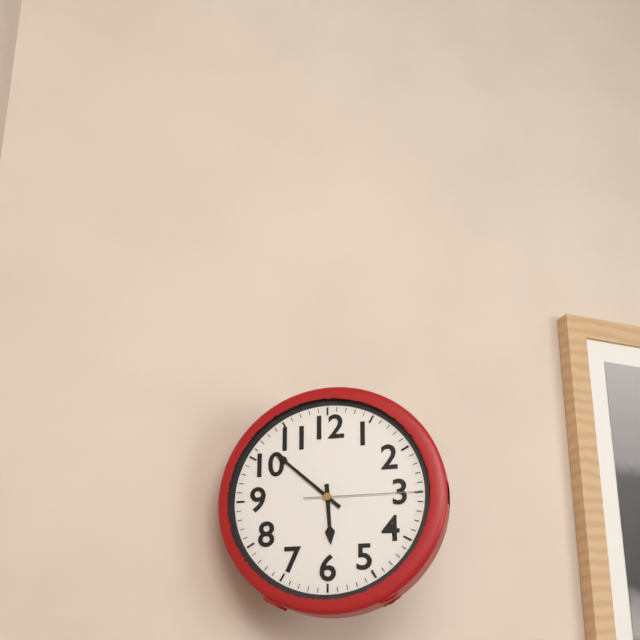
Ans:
5h52m15s
